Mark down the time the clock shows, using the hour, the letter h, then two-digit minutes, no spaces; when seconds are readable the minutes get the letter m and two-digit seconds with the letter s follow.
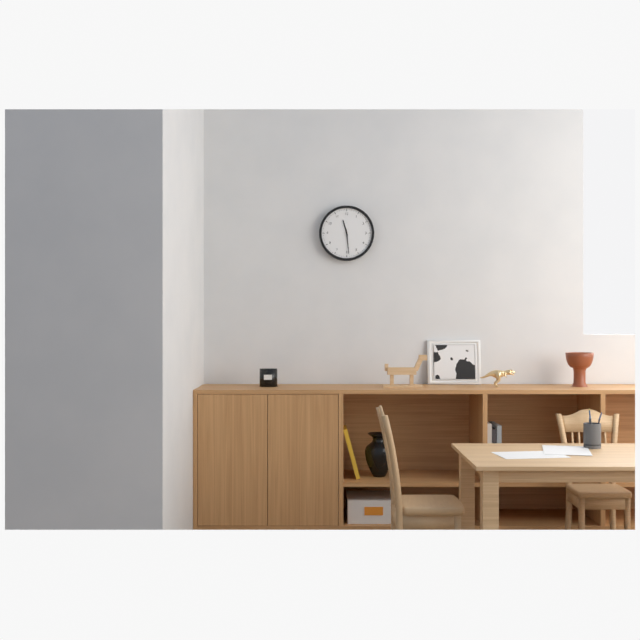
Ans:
11h29
